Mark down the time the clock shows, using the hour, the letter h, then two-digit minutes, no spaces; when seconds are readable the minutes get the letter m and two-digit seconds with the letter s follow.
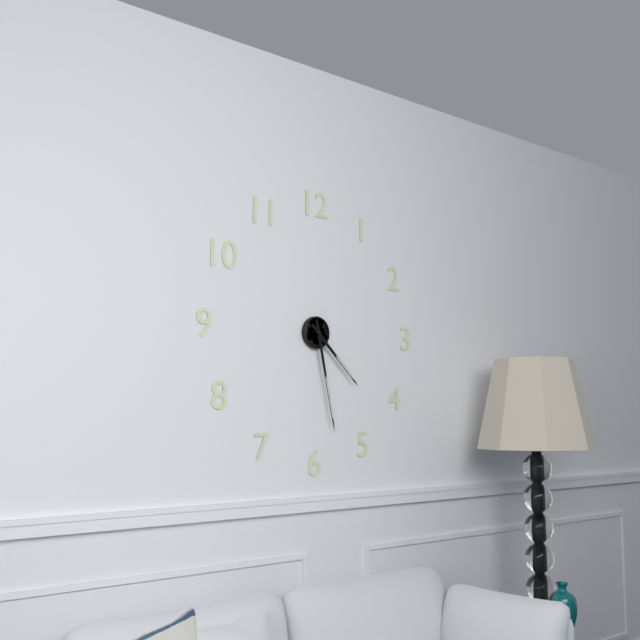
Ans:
4h28
